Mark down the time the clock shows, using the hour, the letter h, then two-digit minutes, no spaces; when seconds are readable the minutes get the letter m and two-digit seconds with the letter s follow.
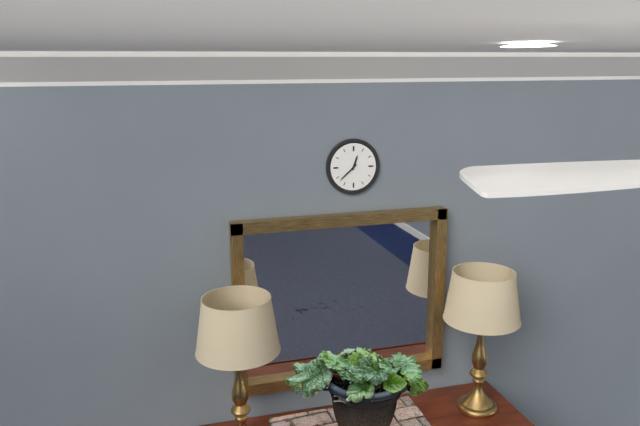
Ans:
12h38
